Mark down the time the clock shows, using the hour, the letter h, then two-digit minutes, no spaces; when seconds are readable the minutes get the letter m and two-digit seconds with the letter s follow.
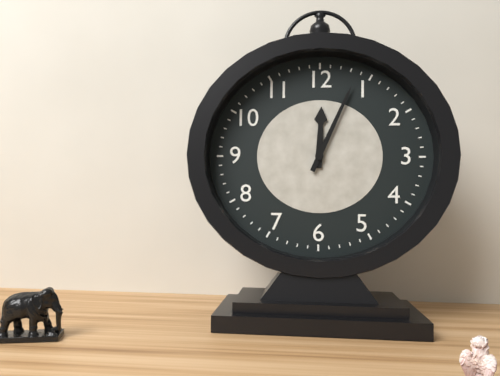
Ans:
12h04
